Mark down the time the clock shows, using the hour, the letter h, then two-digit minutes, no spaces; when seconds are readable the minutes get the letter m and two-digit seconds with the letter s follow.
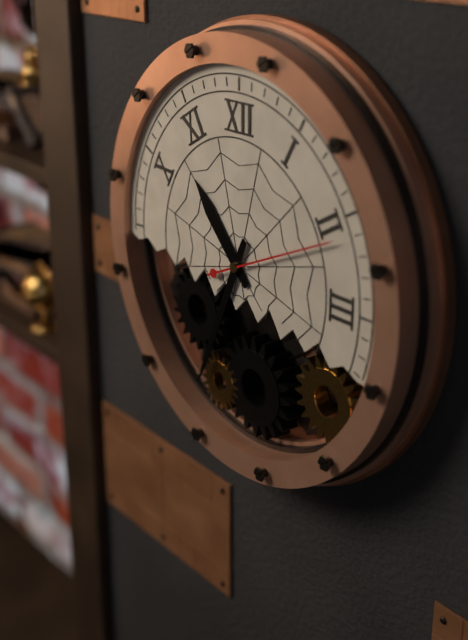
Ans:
10h34m11s
